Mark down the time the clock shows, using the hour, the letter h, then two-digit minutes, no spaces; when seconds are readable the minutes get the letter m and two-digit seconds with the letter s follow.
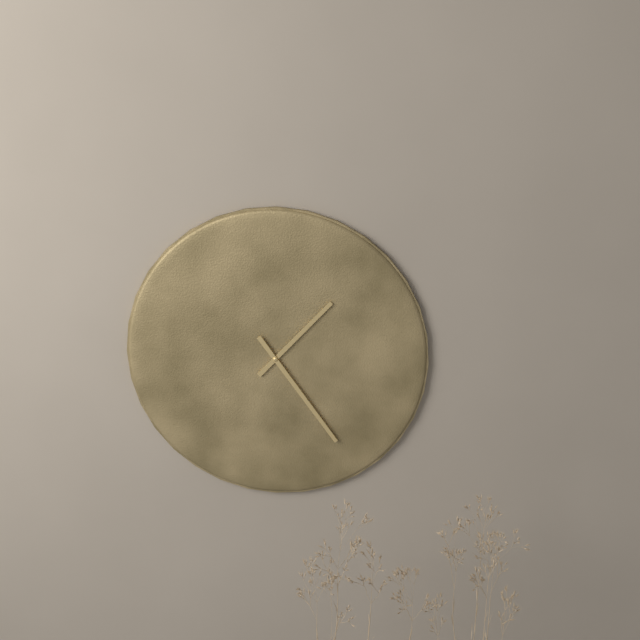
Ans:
1h24
